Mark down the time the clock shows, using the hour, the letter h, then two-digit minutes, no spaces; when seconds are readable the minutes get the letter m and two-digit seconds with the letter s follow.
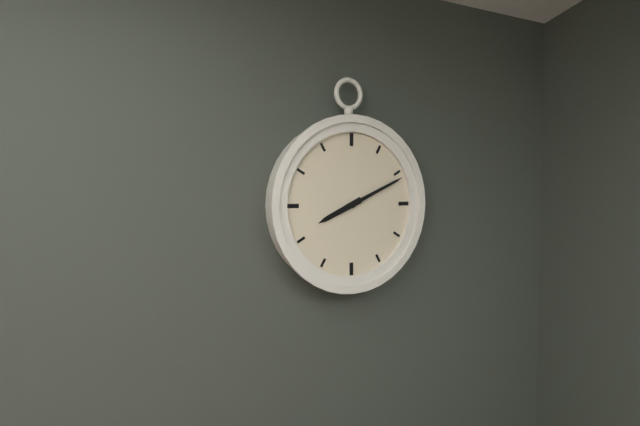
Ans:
8h11
